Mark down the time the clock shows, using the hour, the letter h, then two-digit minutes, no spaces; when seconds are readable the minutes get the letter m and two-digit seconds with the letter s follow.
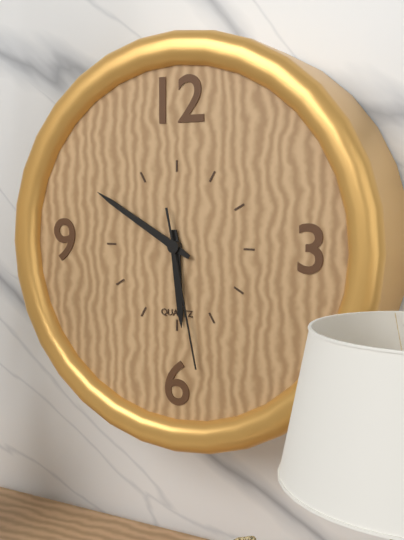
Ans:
5h50m28s
